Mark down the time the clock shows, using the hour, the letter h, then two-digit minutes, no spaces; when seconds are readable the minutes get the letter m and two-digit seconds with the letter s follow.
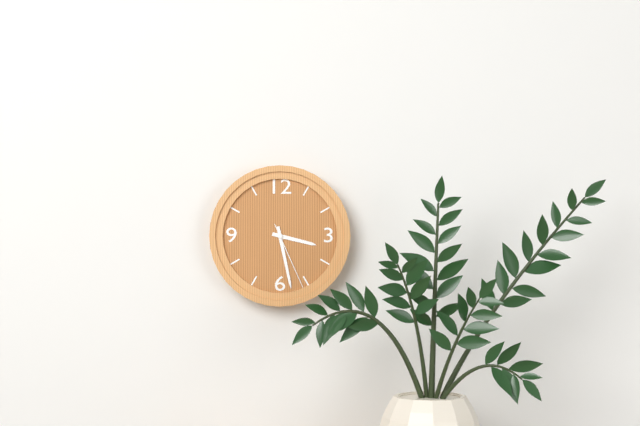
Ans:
3h28m26s
